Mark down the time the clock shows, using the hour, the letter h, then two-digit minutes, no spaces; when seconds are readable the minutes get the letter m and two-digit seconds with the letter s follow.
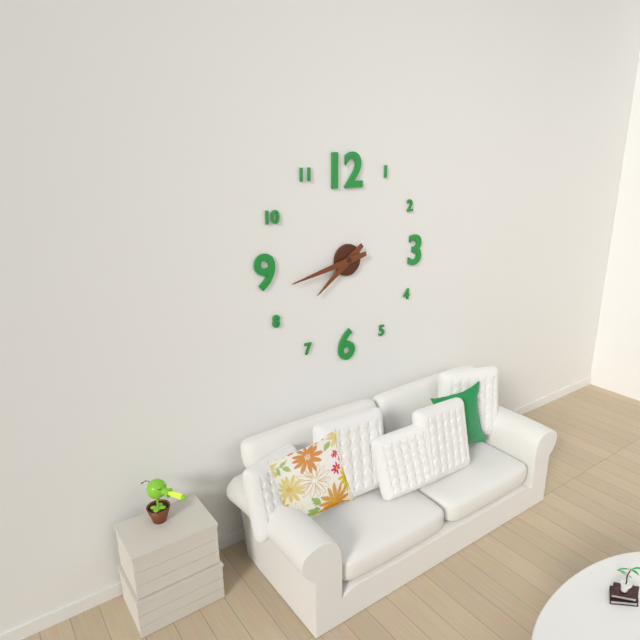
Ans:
7h43
